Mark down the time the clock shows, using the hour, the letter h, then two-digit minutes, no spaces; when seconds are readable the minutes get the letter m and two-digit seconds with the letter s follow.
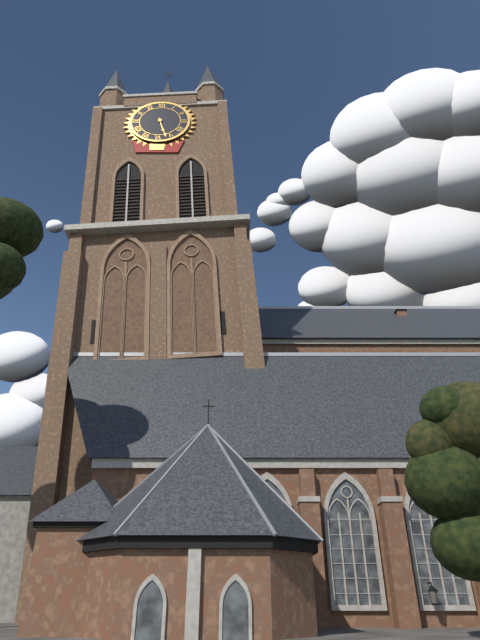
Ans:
5h27
